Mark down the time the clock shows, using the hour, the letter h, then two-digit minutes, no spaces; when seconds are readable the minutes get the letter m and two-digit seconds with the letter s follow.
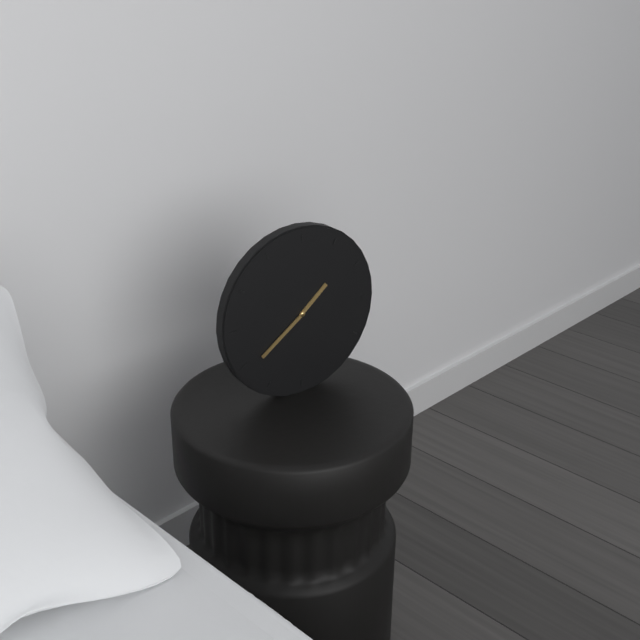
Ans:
1h39
